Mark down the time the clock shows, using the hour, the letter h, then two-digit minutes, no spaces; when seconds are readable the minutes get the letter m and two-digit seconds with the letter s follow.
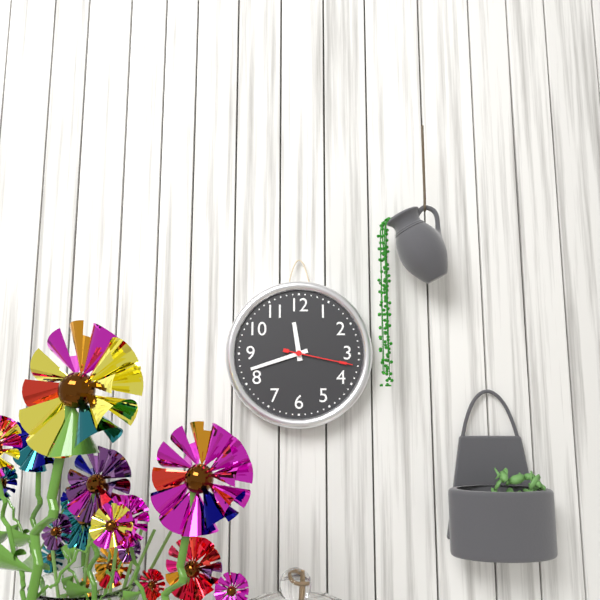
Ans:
11h42m17s
